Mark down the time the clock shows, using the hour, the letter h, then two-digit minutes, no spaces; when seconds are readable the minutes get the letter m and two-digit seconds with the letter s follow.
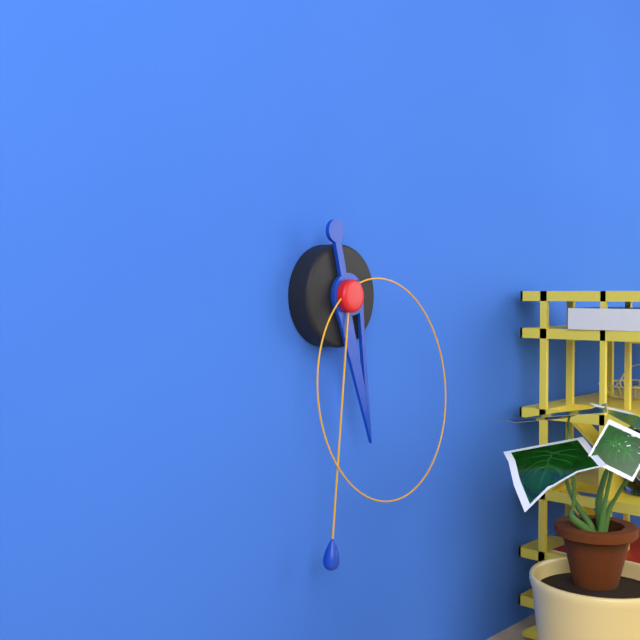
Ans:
5h31m25s
